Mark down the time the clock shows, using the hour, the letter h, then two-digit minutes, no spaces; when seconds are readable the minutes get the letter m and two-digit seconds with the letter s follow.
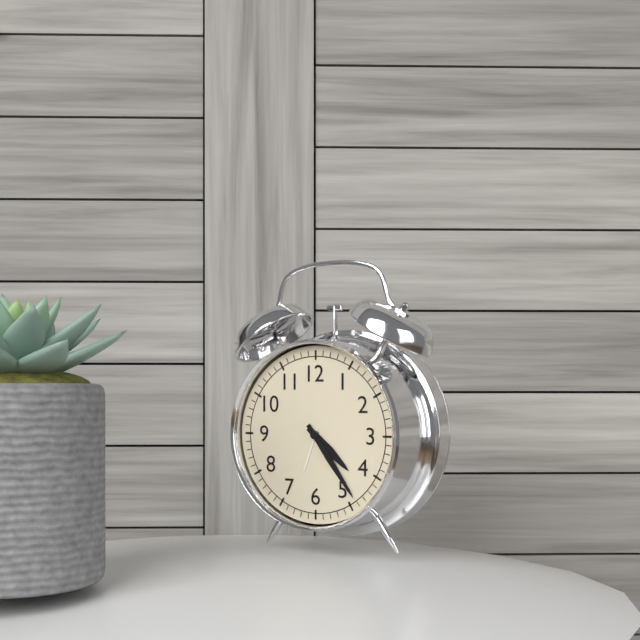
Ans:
4h24
